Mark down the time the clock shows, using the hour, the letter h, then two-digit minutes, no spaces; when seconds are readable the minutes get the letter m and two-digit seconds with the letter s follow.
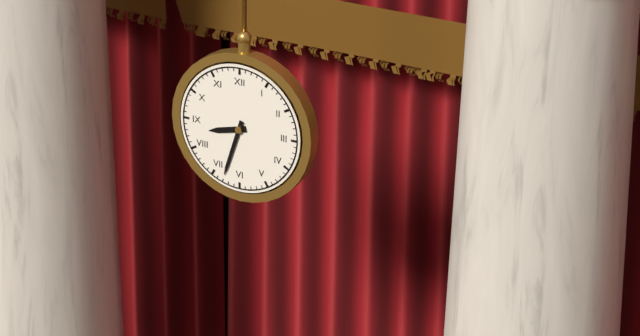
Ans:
8h33
